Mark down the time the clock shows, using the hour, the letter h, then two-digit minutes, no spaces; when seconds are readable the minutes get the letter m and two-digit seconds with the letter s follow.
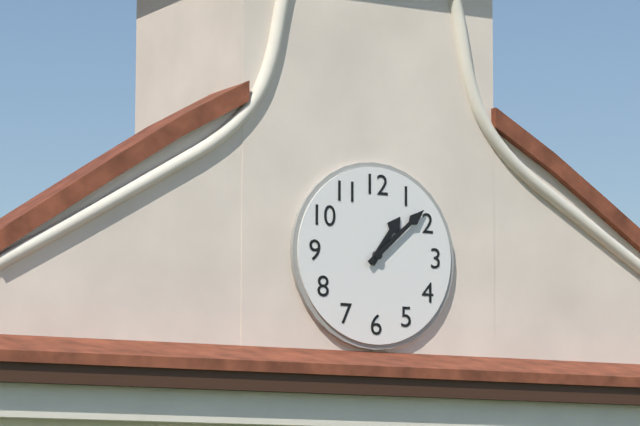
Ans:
1h08
